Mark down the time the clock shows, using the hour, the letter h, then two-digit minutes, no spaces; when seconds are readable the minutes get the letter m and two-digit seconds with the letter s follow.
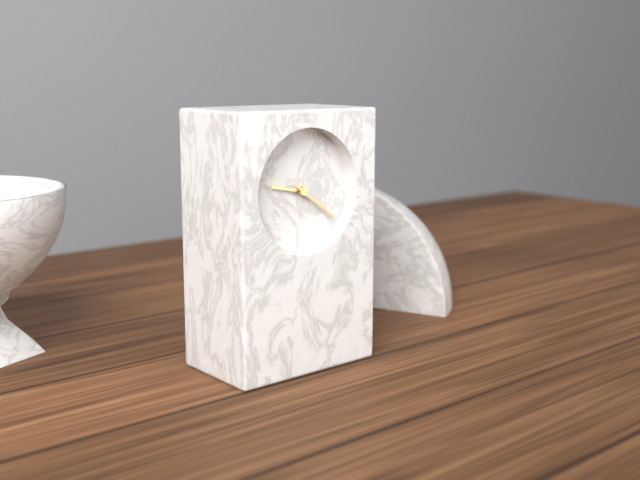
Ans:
9h21
